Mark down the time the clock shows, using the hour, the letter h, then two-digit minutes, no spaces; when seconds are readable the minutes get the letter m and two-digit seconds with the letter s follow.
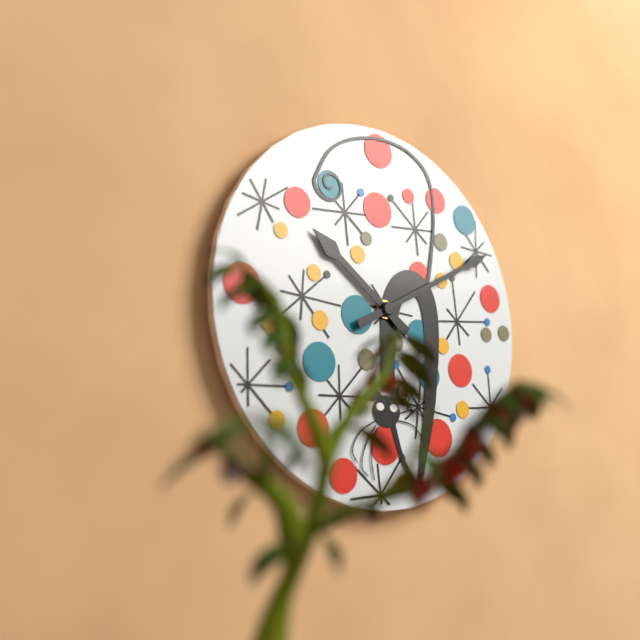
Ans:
10h10
